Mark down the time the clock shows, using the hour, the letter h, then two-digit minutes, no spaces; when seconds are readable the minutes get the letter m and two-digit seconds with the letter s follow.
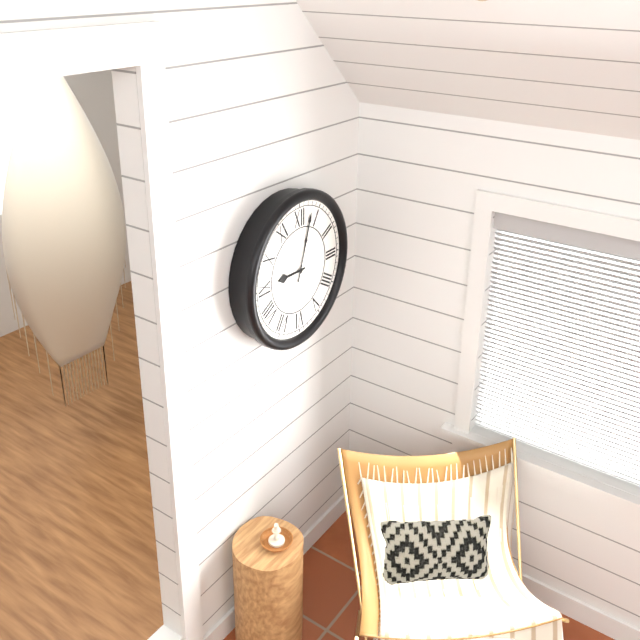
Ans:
9h03
